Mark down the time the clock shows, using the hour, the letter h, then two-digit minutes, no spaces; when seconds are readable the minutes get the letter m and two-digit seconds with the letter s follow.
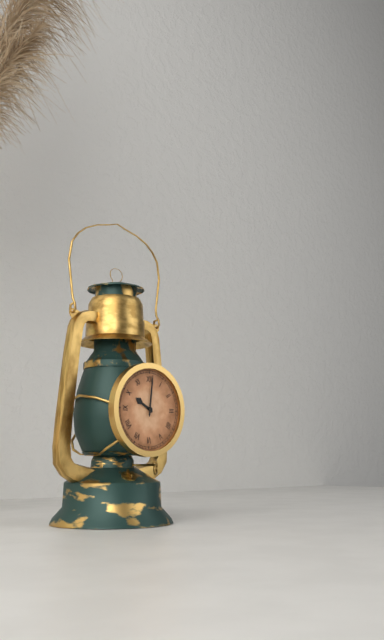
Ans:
10h01
